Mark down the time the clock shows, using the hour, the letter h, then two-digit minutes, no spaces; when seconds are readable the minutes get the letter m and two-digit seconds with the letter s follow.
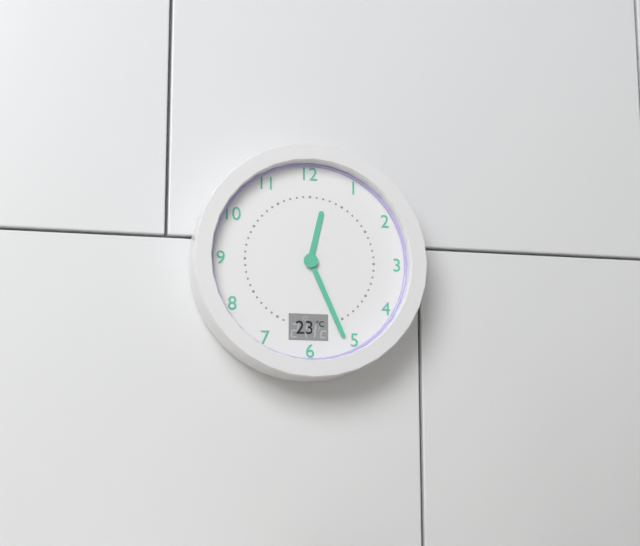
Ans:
12h26
